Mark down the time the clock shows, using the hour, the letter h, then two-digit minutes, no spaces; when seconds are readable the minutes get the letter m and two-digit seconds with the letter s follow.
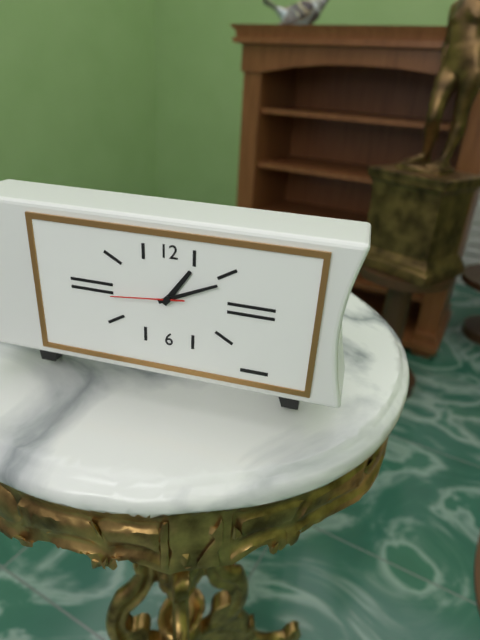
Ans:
1h11m44s
